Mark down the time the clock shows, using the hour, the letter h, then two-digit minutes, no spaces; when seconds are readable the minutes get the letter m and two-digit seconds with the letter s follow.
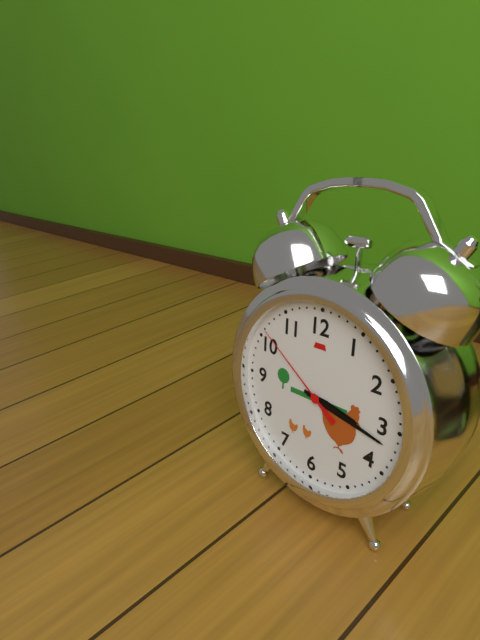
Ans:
3h17m51s
